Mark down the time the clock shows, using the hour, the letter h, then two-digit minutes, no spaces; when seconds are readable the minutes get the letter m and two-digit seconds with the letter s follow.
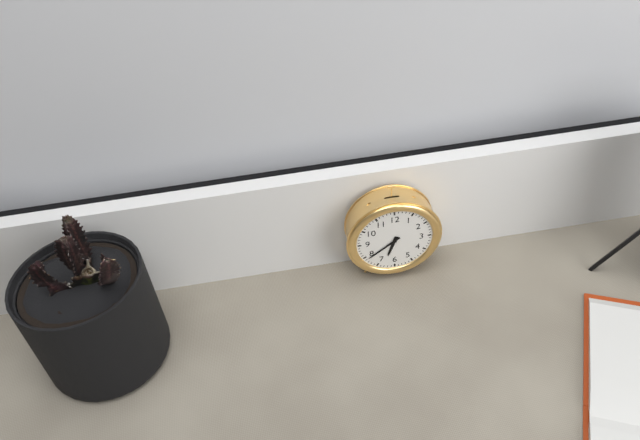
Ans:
6h39
